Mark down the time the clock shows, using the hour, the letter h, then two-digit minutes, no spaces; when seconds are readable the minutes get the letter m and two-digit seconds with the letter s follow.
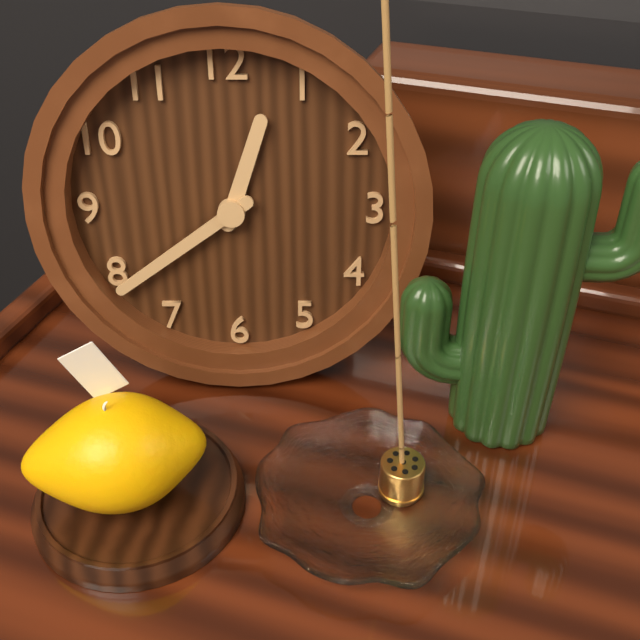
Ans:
12h39
